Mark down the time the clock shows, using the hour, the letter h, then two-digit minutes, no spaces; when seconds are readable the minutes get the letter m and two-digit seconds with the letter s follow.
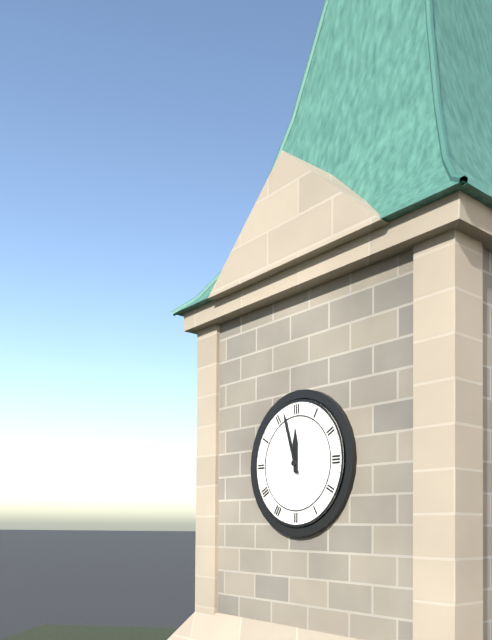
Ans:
11h57
